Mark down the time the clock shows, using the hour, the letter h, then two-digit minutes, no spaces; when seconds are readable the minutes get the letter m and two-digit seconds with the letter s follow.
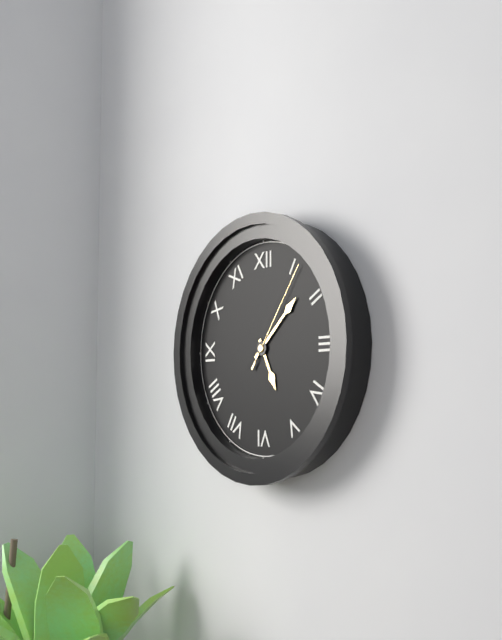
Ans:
5h08m06s
